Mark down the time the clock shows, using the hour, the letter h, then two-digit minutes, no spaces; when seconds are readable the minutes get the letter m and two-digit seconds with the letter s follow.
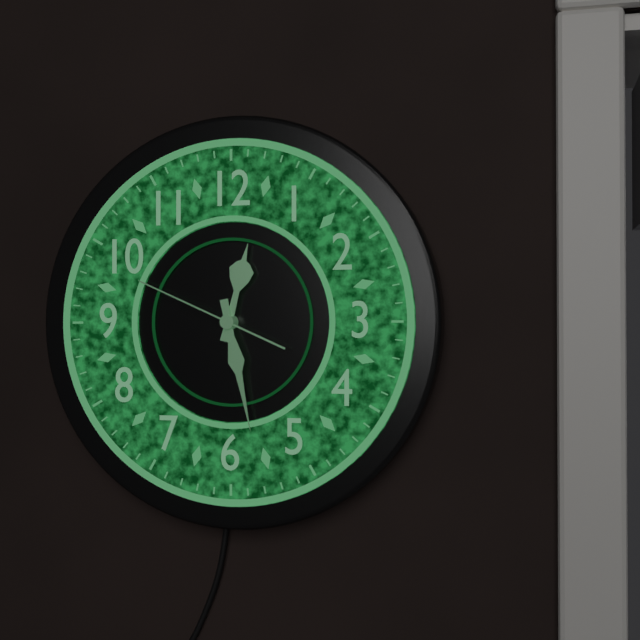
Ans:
12h28m49s
